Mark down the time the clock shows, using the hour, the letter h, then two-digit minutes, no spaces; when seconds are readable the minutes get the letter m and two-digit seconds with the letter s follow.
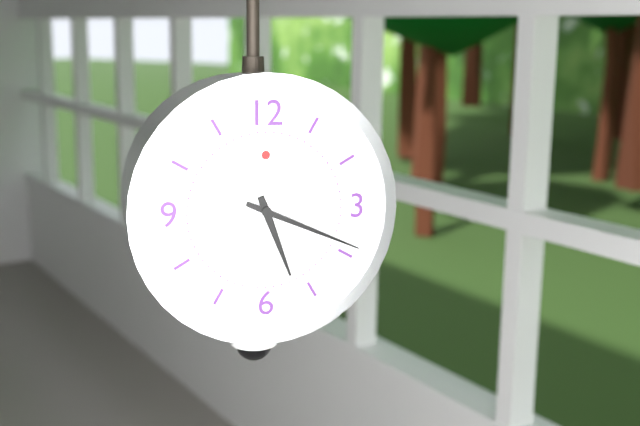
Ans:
5h19
